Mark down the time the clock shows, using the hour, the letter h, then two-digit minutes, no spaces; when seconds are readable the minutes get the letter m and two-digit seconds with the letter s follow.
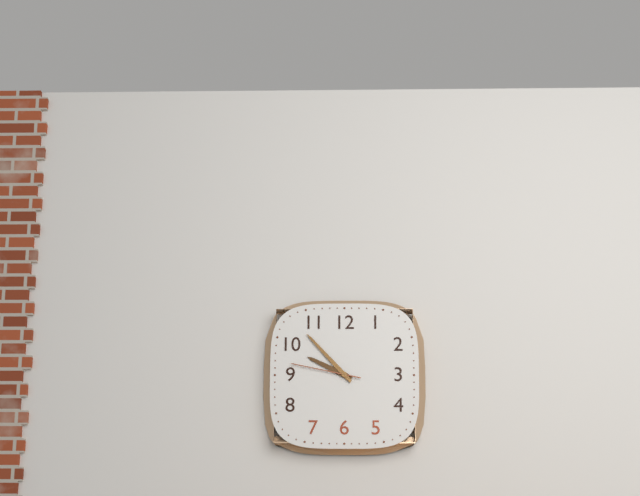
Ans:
9h53m47s
